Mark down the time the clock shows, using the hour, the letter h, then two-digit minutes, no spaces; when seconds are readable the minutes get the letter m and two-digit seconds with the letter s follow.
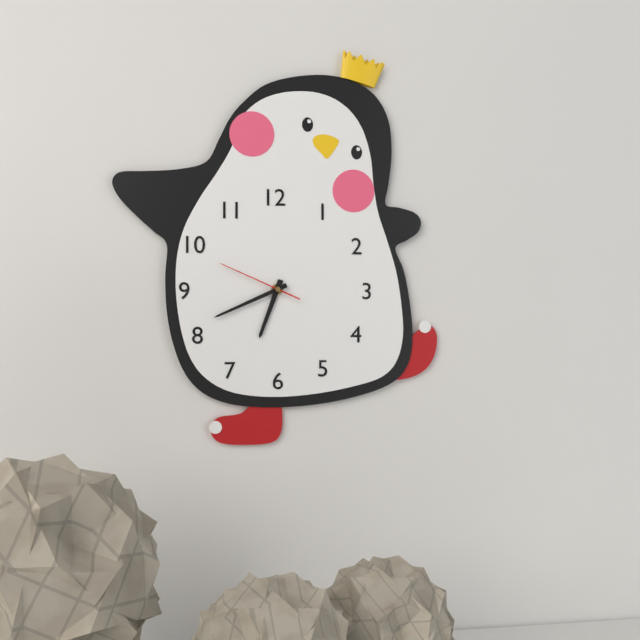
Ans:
6h41m49s
